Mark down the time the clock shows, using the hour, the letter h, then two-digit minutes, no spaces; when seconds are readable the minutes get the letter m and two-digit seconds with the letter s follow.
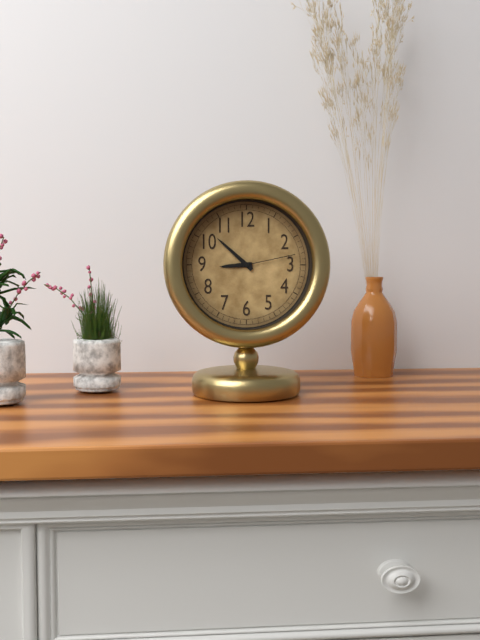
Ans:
8h52m13s
